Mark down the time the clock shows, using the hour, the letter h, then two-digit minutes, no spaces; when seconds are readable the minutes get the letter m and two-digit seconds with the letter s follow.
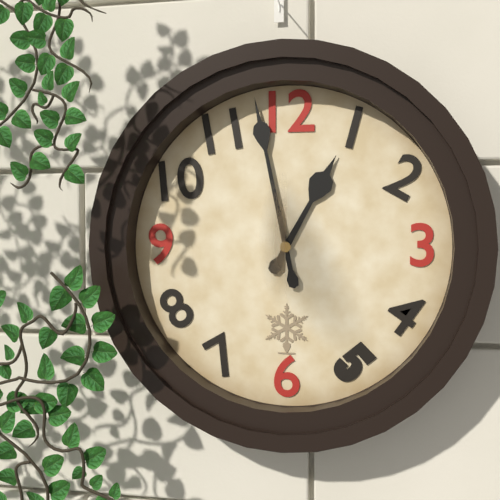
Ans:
12h58
